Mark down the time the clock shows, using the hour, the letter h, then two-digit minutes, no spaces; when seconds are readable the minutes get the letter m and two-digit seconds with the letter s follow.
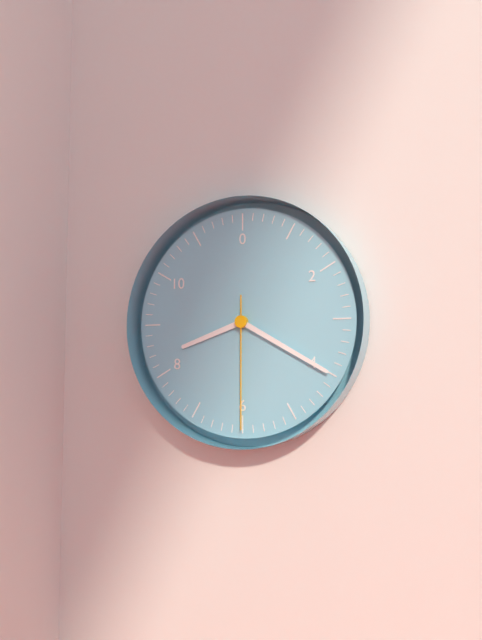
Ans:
8h20m30s
